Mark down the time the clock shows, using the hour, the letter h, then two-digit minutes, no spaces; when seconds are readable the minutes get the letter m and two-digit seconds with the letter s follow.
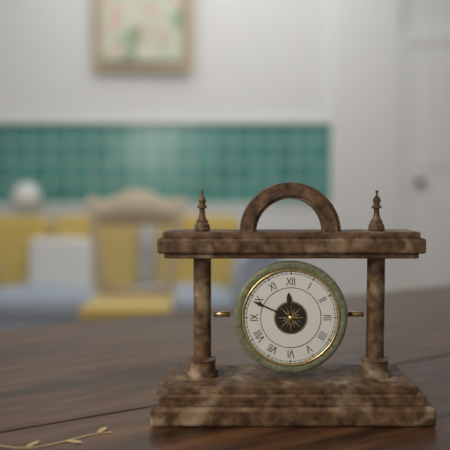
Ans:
11h49
